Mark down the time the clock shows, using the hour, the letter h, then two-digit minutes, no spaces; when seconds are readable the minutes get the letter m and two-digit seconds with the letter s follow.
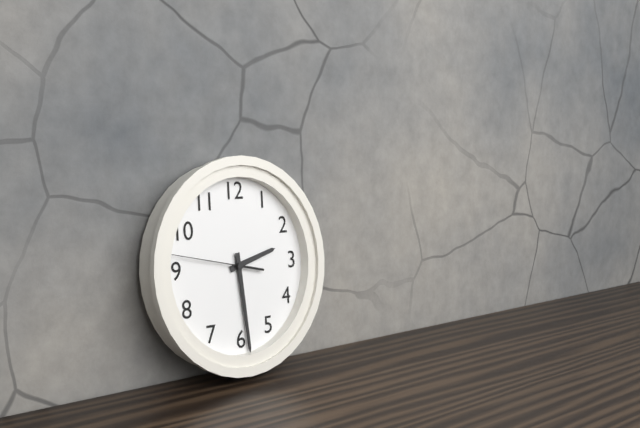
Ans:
2h29m47s
